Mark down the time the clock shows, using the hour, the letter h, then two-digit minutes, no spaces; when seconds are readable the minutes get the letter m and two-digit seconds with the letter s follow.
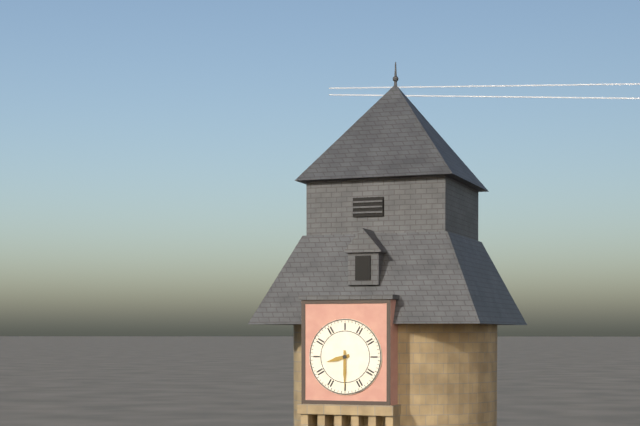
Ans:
8h30
